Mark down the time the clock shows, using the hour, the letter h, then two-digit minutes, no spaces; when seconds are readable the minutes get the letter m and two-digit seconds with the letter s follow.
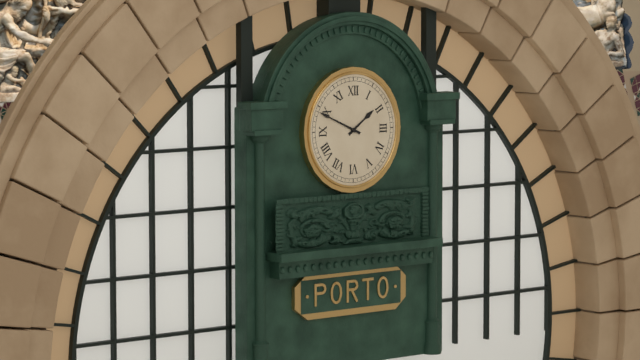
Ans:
1h49
